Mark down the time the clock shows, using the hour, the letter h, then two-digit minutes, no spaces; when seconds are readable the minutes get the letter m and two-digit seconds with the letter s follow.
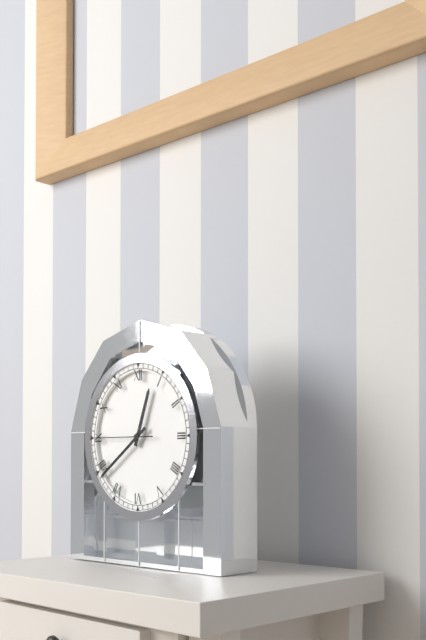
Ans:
12h39m45s
